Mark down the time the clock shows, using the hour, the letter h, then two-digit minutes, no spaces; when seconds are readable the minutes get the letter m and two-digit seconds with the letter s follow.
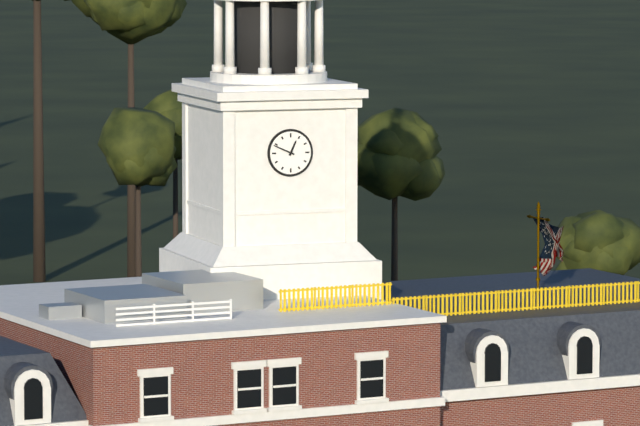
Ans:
12h49
